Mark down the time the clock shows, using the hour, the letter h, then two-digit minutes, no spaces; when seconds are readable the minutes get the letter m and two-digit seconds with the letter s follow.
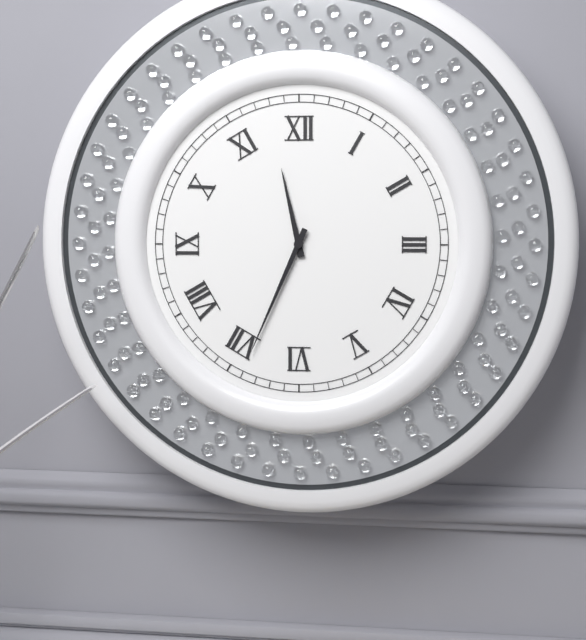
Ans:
11h34
